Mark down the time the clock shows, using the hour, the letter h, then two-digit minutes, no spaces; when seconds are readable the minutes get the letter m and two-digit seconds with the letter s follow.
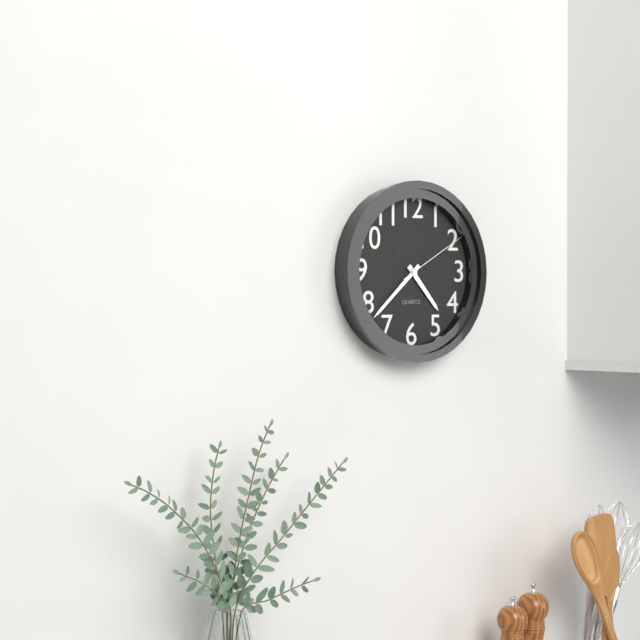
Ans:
4h38m10s
